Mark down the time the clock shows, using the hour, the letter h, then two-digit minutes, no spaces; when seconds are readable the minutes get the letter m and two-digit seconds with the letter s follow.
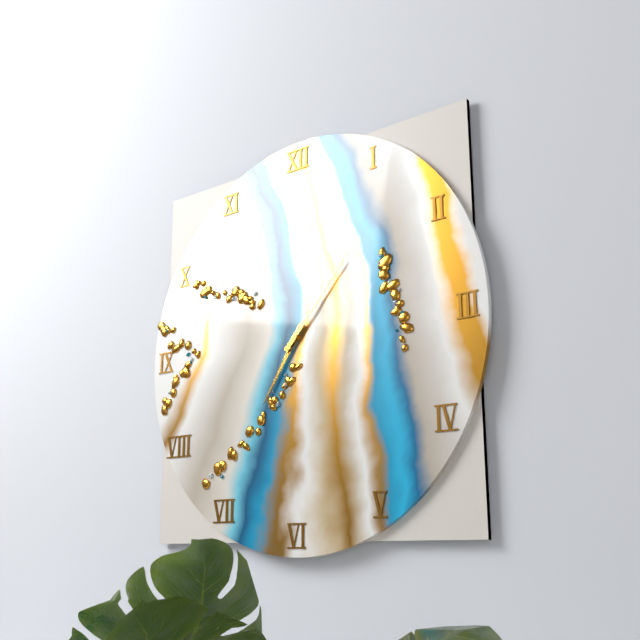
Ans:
7h07
